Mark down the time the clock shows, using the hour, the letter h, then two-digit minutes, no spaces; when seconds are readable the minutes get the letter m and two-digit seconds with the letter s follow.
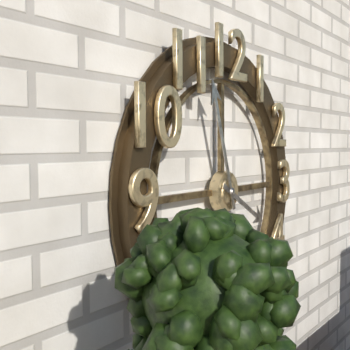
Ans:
3h57
